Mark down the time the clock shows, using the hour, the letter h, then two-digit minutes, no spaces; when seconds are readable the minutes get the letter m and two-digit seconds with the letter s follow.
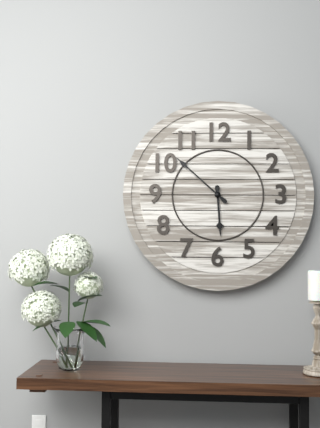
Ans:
5h52
